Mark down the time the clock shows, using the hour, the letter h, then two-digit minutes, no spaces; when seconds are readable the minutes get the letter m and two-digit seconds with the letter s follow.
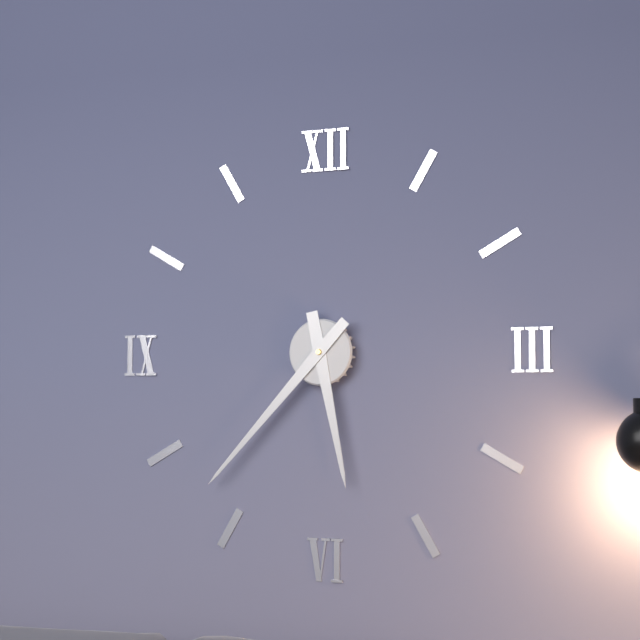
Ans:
5h37
